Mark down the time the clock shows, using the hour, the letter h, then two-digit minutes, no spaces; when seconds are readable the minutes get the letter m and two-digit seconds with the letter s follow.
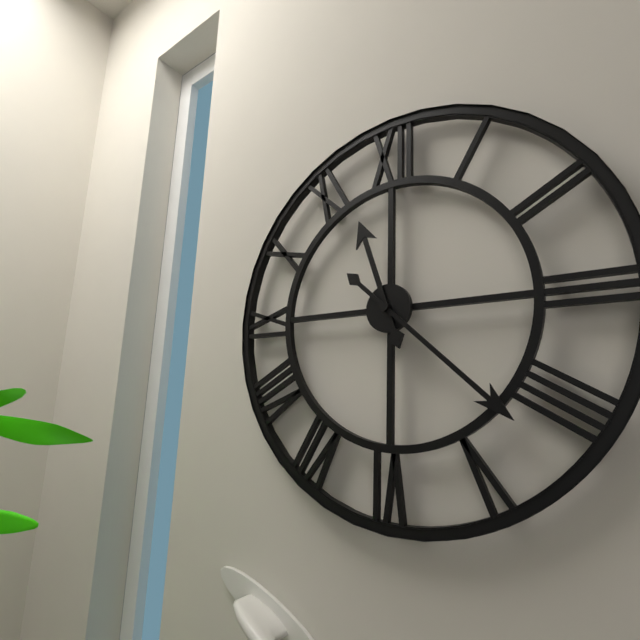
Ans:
11h22
